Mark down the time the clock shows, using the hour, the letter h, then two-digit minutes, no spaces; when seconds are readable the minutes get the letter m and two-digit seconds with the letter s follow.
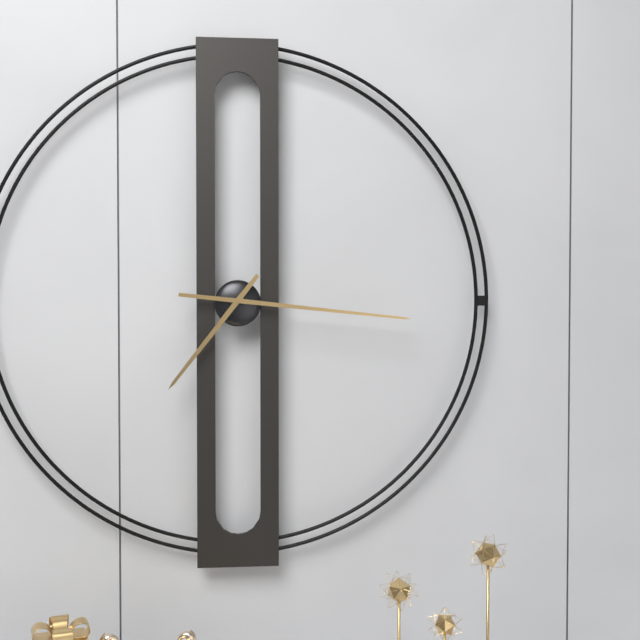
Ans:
7h16
